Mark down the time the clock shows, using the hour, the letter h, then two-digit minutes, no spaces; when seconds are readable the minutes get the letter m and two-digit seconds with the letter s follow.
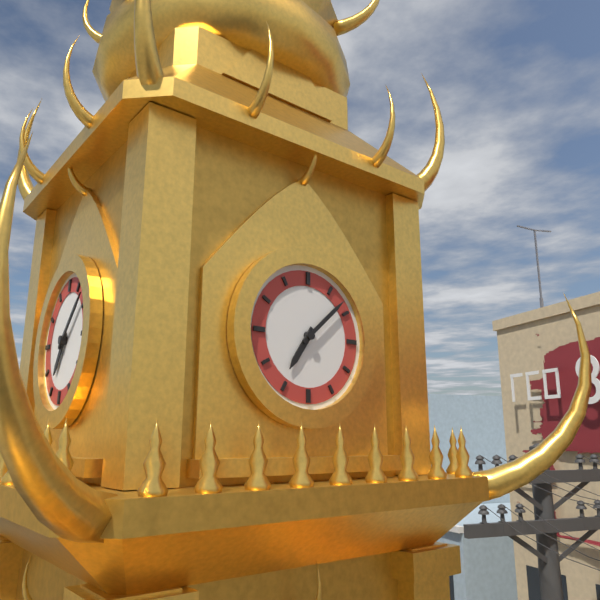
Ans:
7h08
